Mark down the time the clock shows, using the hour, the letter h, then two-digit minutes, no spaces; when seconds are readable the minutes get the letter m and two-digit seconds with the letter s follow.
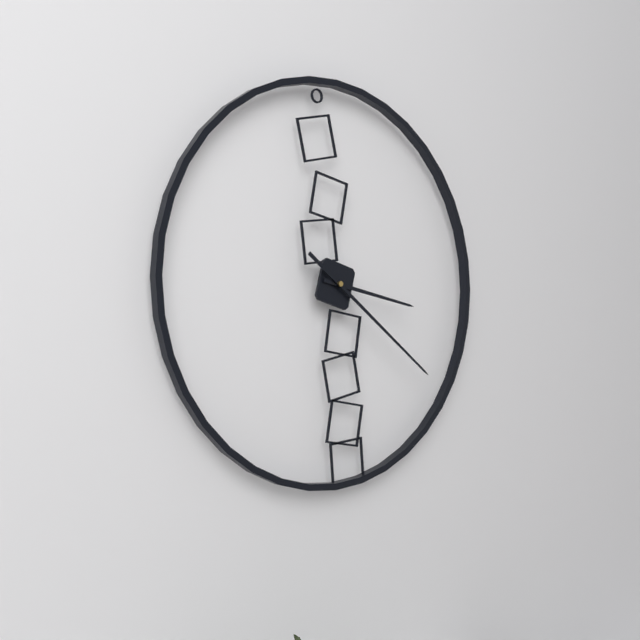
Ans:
3h21
